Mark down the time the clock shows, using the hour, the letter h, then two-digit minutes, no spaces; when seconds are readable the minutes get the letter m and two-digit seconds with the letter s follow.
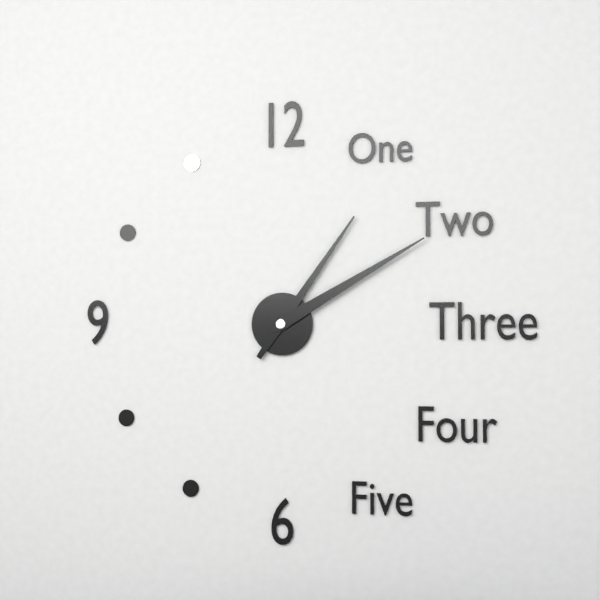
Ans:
1h10
